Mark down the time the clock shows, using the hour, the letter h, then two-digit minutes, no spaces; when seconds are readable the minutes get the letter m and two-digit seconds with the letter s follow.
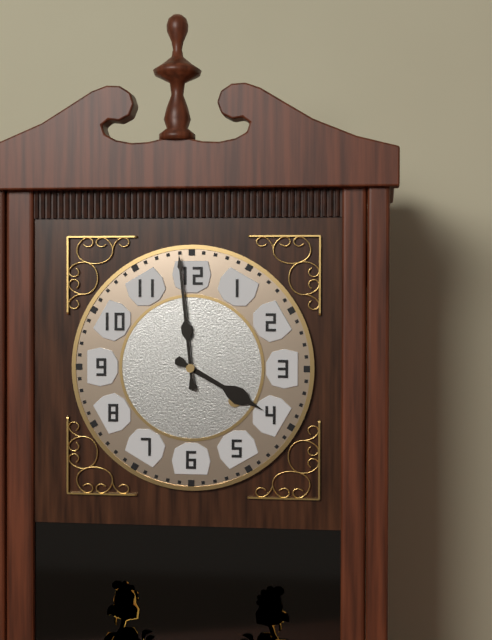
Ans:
3h59
